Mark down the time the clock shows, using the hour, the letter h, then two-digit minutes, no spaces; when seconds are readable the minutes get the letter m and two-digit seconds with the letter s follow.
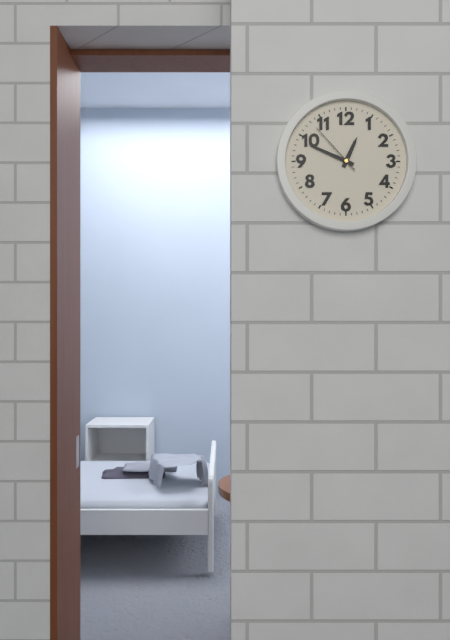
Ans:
12h49m53s
